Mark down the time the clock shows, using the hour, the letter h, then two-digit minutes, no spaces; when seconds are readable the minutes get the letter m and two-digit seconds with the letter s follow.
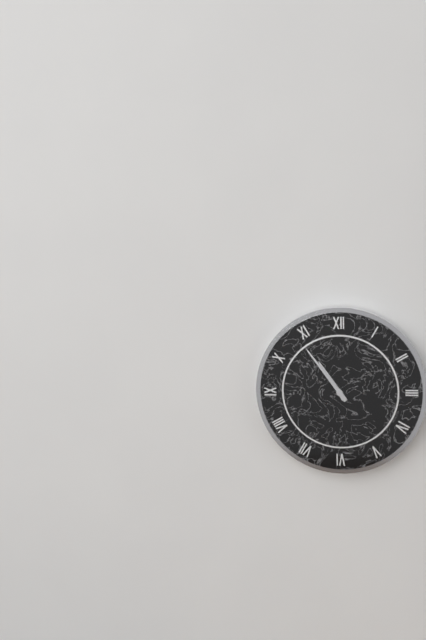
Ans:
10h54
